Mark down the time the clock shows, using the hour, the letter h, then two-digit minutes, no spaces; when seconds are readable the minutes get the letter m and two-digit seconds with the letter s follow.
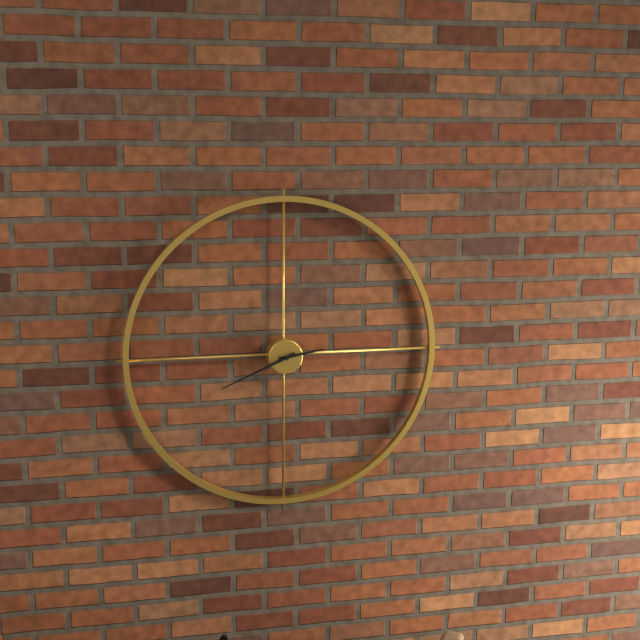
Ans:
2h41
